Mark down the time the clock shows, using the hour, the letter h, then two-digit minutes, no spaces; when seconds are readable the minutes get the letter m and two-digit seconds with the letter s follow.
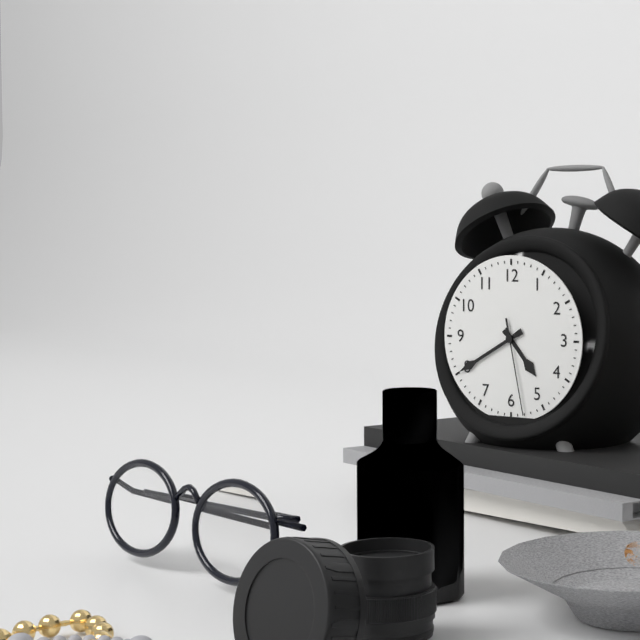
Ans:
4h40m28s
